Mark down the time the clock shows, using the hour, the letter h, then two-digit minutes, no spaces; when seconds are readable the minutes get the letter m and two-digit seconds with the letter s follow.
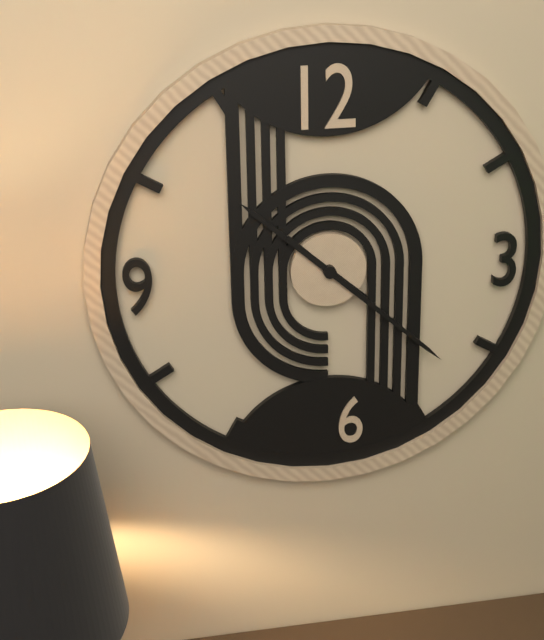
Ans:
10h22
